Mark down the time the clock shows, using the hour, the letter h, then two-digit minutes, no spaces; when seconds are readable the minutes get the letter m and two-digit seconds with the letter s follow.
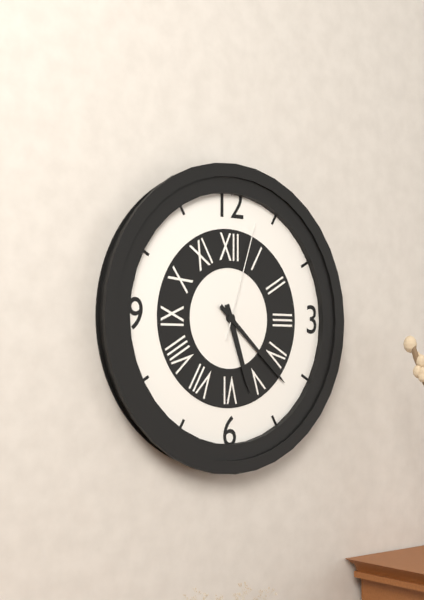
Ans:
5h22m03s
